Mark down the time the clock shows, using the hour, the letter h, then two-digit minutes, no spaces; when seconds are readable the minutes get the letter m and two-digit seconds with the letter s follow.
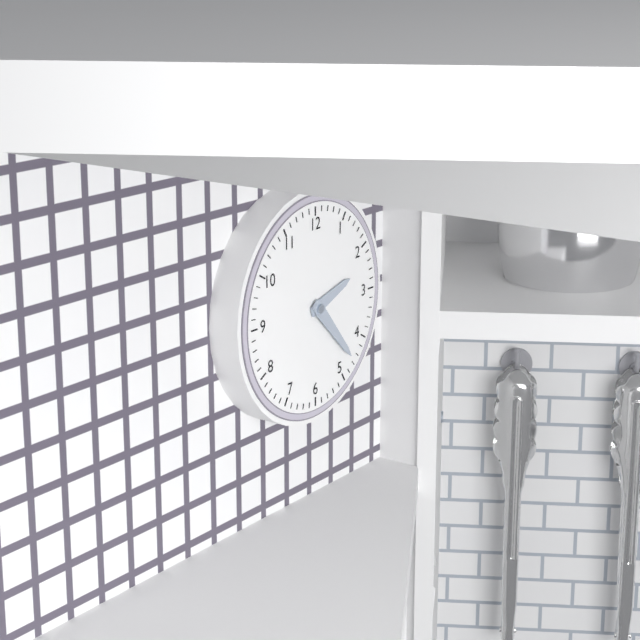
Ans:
2h23
